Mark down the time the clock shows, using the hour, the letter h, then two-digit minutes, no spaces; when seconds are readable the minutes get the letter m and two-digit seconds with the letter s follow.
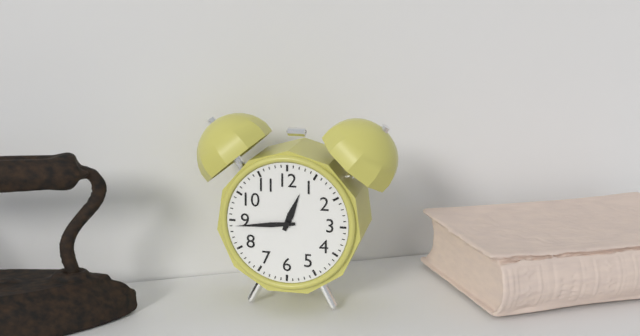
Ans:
12h44
